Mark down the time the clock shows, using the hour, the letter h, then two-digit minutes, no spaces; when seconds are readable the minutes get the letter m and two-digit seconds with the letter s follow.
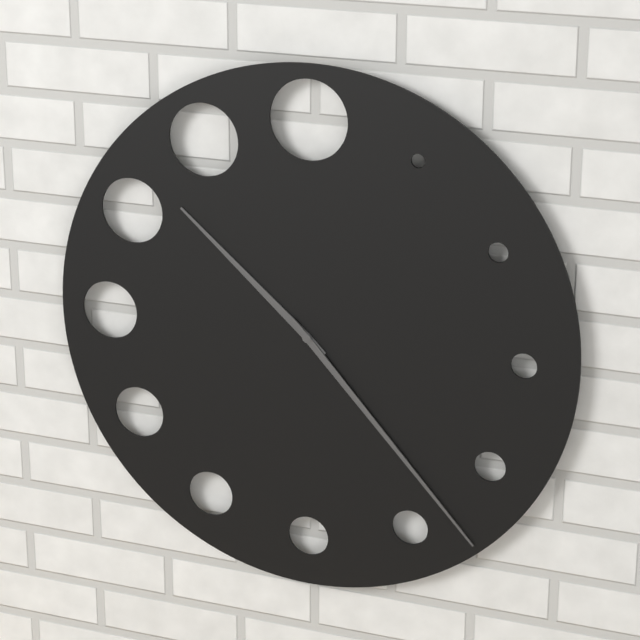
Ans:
10h23
